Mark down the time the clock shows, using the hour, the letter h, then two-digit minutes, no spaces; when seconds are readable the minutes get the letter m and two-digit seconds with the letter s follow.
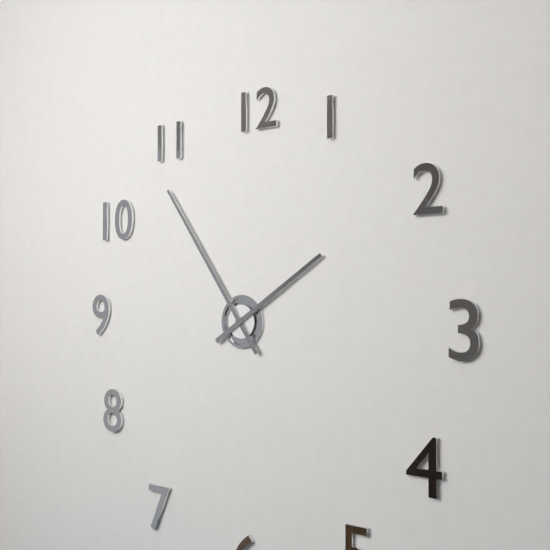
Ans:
1h54
